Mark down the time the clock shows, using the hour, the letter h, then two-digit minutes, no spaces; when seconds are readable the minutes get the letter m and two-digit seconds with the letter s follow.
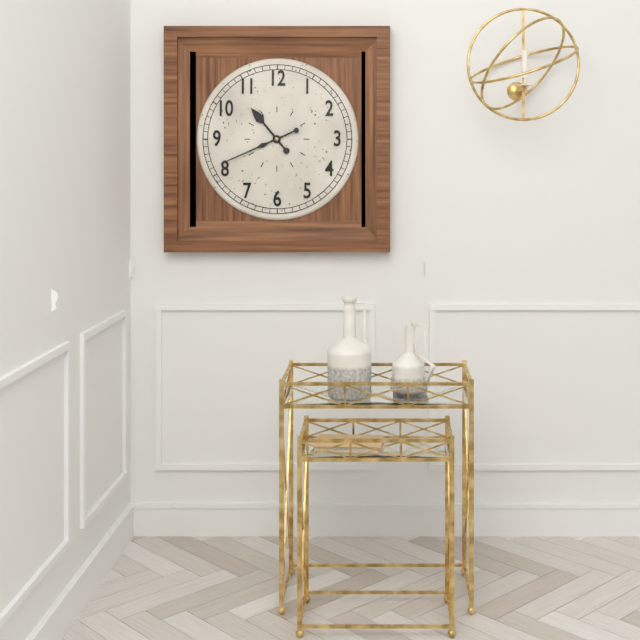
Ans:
10h41
